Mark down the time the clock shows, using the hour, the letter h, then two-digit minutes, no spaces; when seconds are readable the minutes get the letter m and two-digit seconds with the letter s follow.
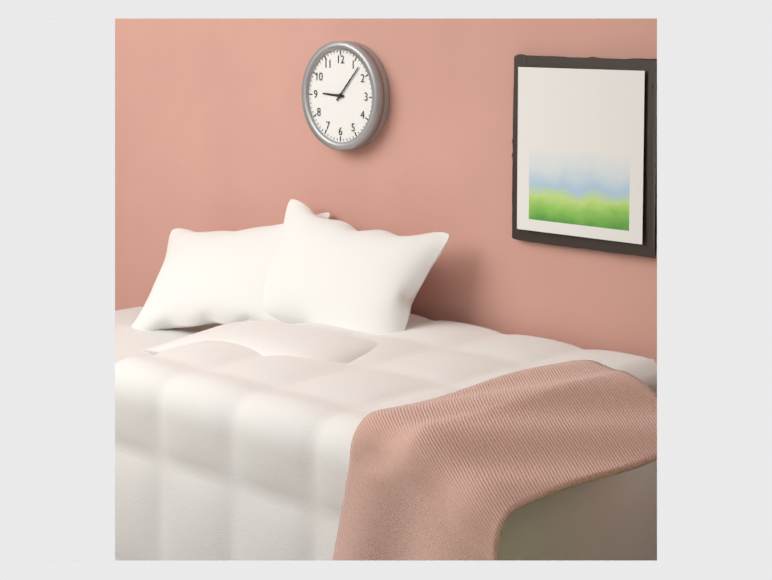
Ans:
9h07
